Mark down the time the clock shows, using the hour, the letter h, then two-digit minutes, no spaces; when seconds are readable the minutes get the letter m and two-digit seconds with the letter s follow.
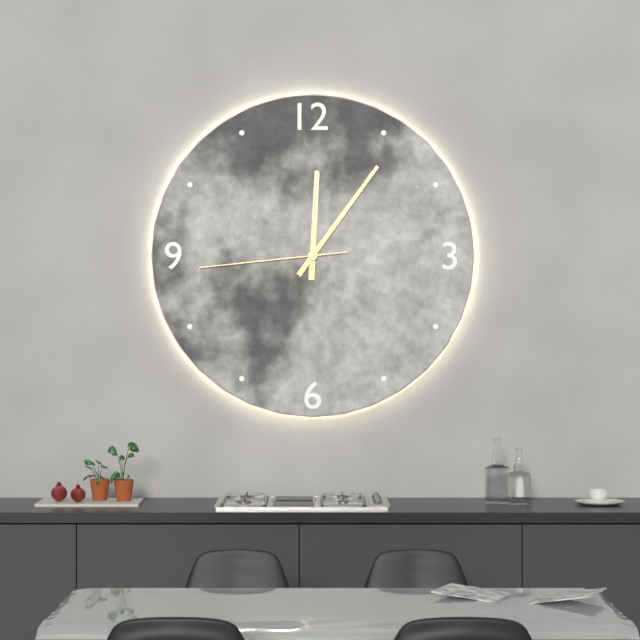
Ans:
12h06m44s
